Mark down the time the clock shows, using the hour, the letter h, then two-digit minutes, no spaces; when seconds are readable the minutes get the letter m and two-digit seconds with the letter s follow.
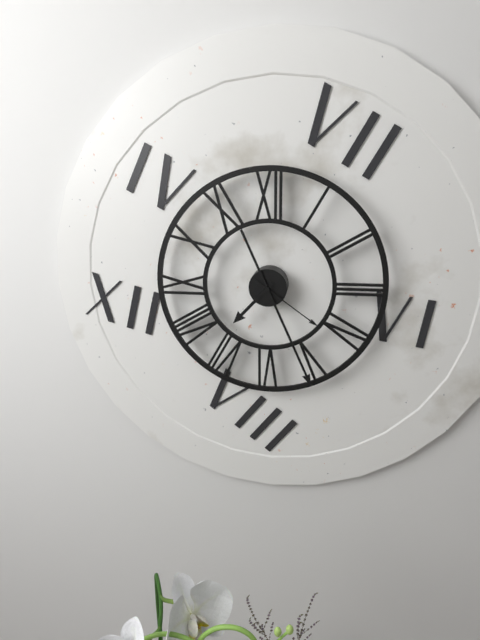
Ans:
7h26m21s
